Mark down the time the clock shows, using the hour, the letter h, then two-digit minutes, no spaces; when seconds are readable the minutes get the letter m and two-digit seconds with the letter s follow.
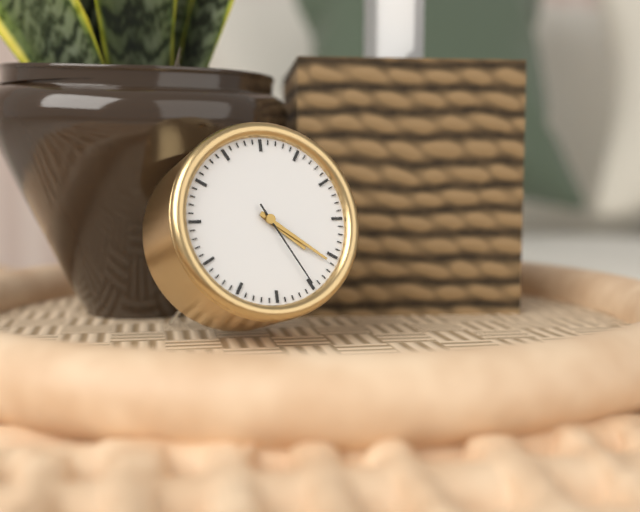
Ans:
4h21m25s
